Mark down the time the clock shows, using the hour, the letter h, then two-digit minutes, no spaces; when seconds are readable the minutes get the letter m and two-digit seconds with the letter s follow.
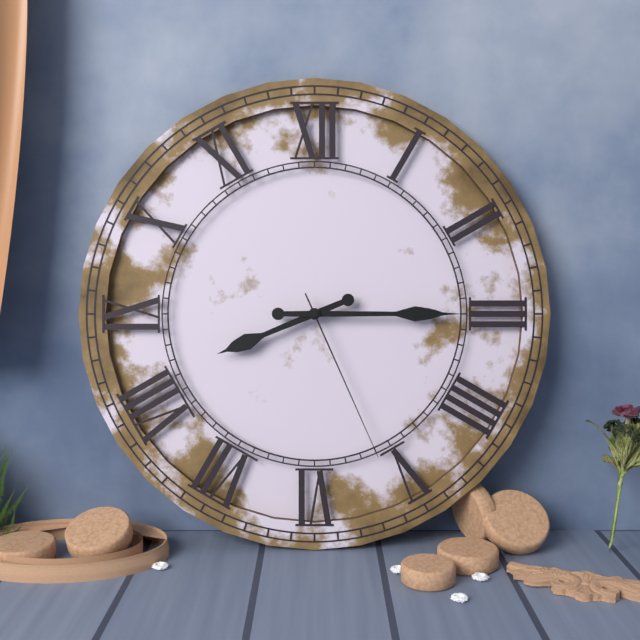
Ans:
8h15m26s
